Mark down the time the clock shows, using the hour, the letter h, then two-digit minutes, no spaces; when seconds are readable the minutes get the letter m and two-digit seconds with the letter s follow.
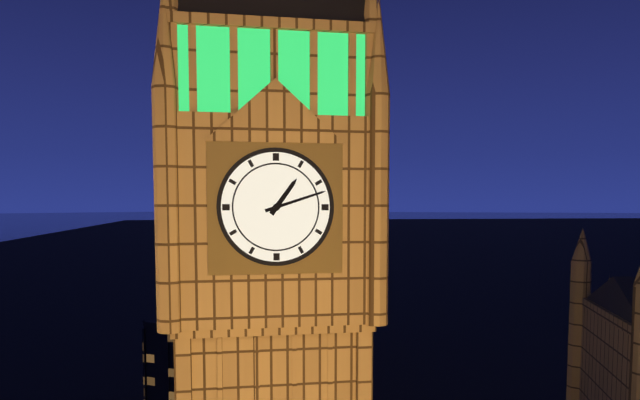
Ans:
1h12
